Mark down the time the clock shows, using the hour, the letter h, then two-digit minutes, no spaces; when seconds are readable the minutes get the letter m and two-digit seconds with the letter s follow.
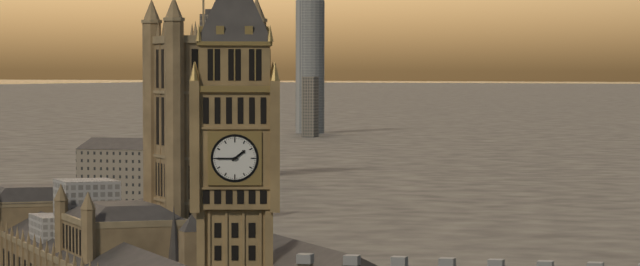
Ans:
1h45
